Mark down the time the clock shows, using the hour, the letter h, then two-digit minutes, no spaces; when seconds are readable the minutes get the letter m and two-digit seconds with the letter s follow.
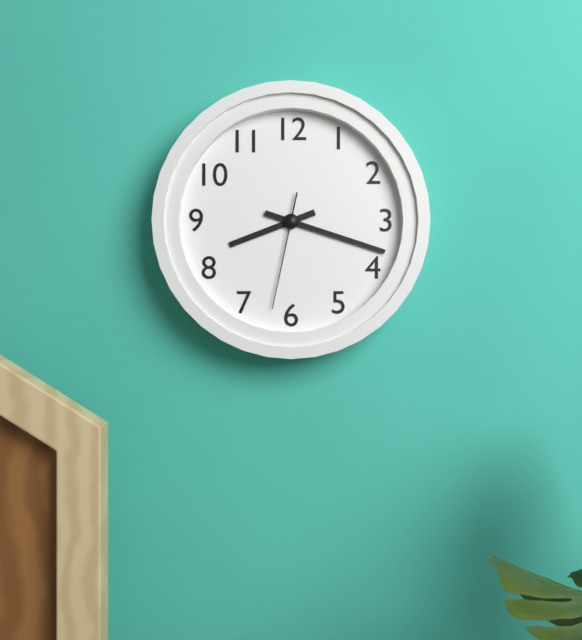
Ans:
8h18m32s
